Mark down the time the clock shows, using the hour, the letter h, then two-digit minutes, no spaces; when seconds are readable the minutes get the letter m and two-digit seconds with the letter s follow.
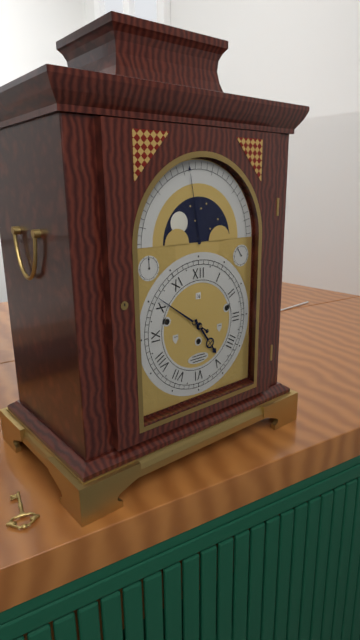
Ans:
4h51
